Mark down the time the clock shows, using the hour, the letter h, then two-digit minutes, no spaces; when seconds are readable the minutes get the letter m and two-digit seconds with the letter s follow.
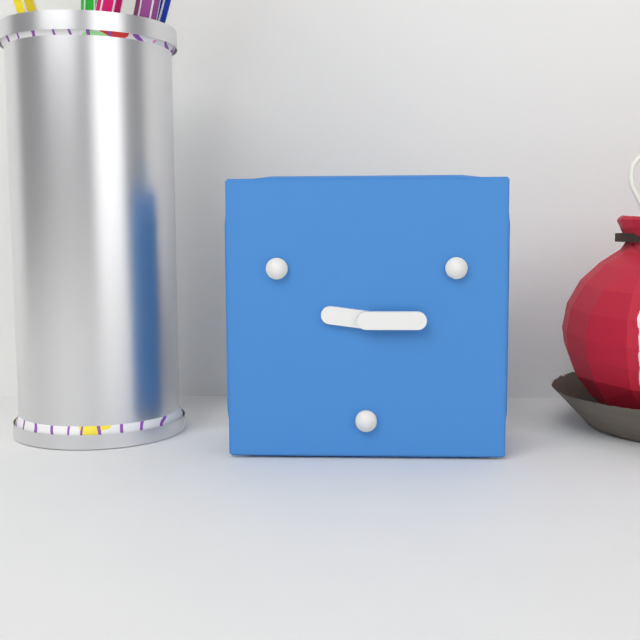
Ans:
9h15
